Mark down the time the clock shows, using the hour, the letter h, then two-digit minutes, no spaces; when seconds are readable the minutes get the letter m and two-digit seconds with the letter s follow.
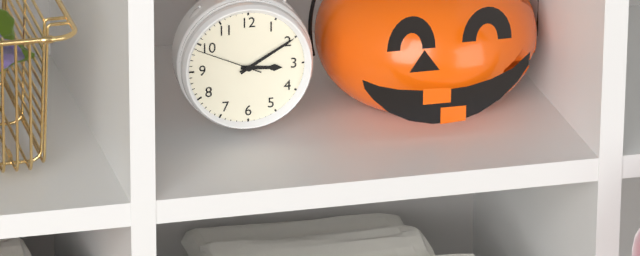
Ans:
3h10m49s
